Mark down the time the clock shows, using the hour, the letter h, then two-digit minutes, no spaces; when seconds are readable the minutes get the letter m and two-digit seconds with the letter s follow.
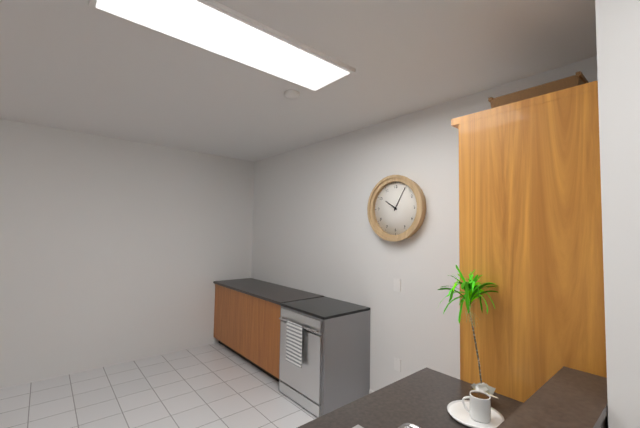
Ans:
10h05
